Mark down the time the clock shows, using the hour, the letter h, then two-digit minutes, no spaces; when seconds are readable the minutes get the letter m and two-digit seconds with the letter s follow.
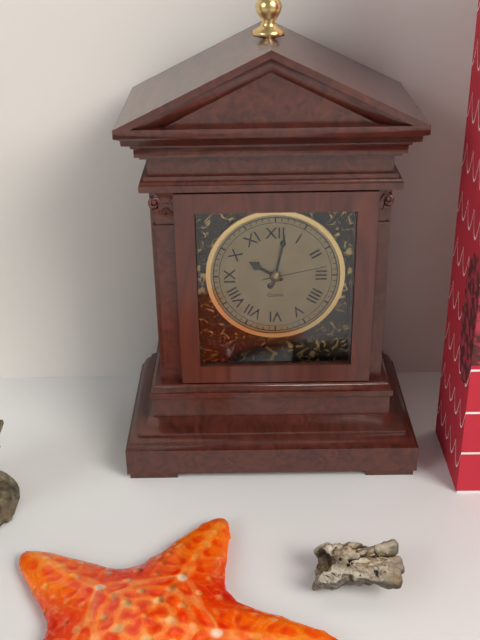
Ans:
10h02m13s
